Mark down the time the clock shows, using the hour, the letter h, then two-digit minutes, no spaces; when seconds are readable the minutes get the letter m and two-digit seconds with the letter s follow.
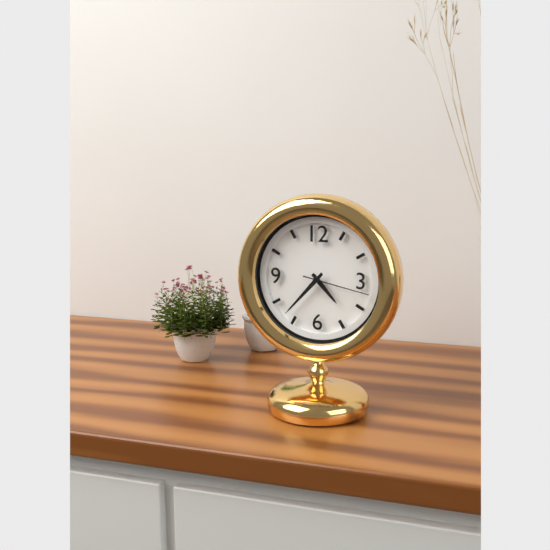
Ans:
4h37m17s
